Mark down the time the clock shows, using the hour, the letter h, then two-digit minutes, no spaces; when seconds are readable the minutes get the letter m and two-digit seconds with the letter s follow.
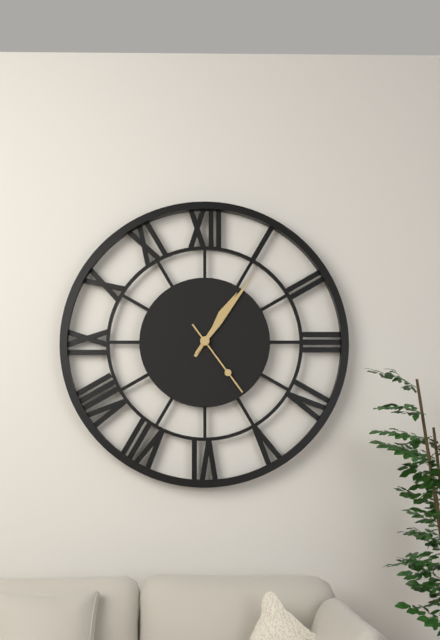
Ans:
1h06m24s
